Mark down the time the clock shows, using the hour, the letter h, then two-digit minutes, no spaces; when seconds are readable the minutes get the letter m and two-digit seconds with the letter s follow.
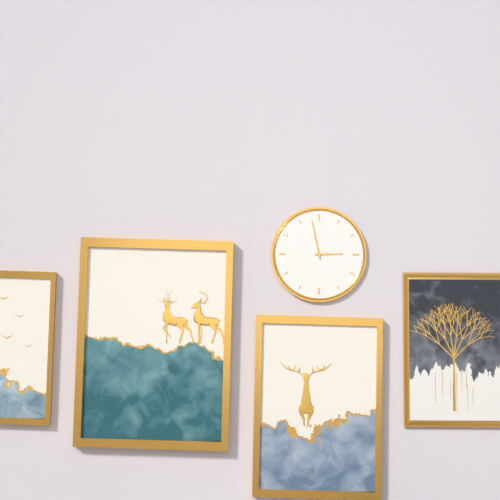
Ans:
2h58
